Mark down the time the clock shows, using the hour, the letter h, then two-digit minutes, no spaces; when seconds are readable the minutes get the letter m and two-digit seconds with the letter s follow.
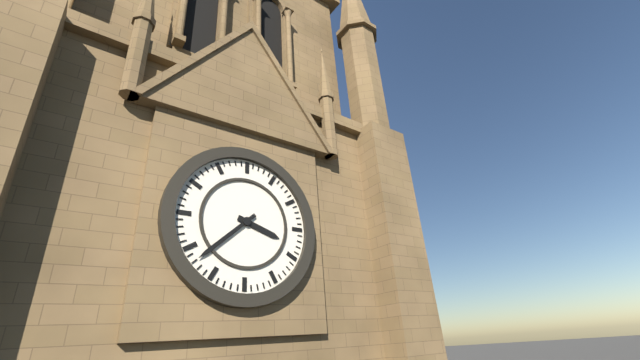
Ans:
3h38
